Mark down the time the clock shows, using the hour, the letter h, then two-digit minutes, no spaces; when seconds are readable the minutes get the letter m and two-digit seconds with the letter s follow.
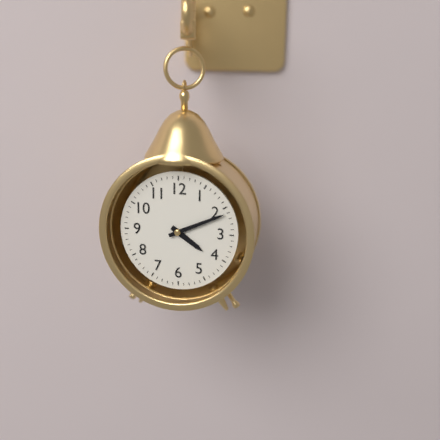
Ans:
4h11
